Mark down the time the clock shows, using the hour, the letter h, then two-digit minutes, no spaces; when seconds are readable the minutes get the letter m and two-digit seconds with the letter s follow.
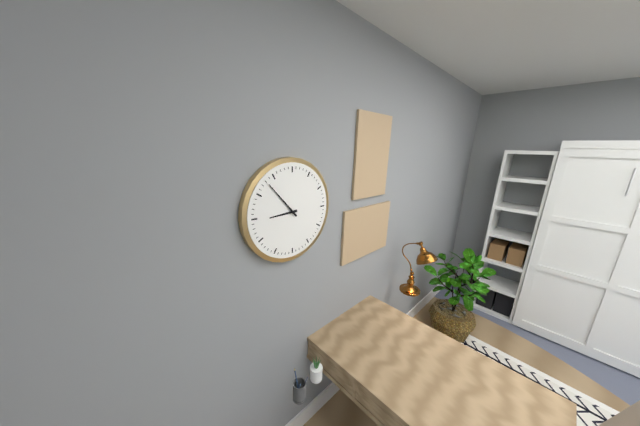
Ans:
8h53
